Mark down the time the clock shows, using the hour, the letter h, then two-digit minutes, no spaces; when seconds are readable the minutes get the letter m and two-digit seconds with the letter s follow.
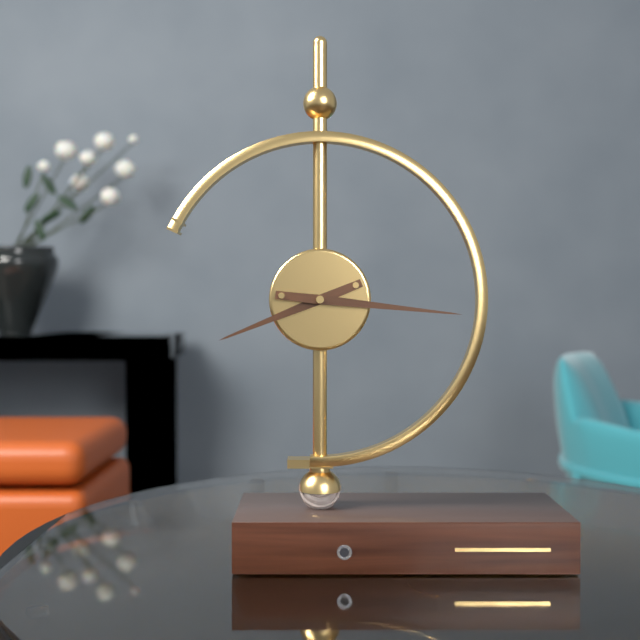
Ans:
8h16
